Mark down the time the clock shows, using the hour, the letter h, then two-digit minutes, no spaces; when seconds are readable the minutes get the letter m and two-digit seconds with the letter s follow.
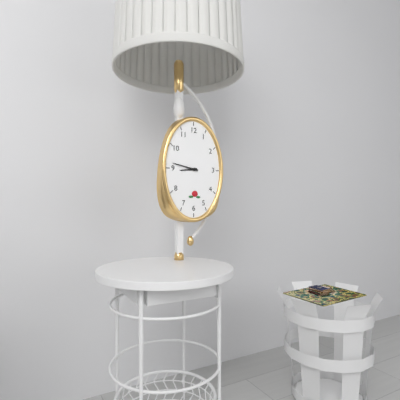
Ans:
8h47
